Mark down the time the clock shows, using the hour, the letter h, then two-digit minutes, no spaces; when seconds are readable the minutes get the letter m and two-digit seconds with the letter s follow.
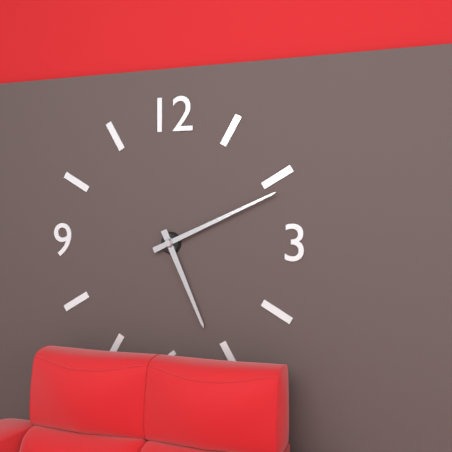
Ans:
5h11
